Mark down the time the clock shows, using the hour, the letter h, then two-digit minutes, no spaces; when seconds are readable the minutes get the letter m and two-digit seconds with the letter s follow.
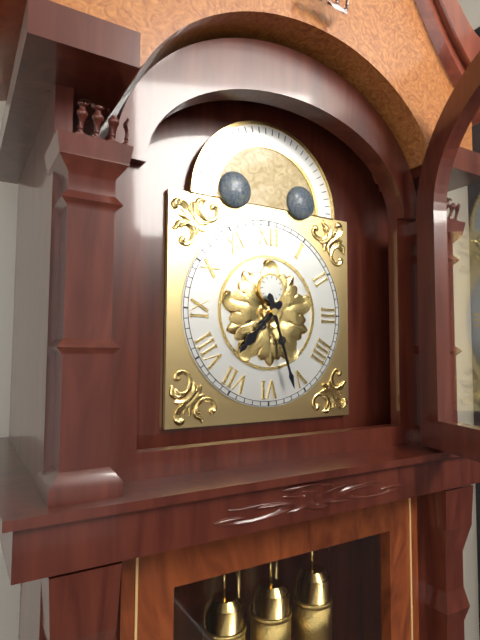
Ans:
7h27
